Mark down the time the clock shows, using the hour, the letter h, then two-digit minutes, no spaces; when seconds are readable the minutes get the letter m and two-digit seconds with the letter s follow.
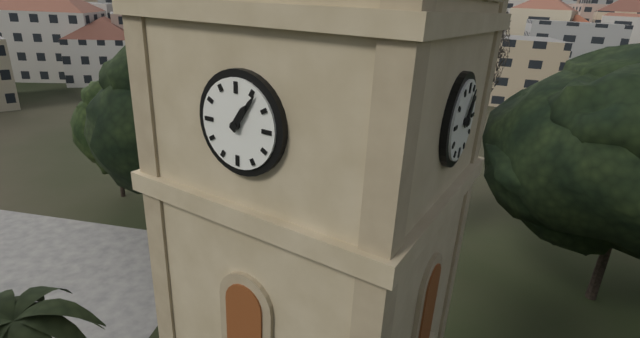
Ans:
1h06
